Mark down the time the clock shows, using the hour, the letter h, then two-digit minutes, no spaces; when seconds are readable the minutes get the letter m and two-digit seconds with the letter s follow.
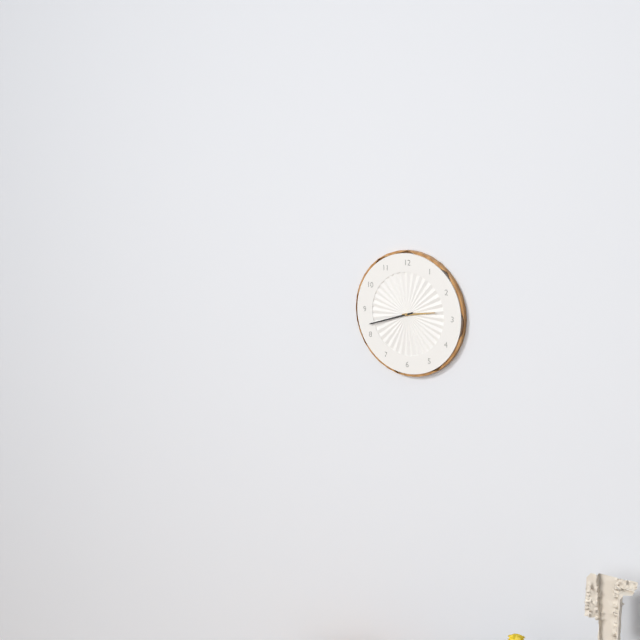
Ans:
2h42
